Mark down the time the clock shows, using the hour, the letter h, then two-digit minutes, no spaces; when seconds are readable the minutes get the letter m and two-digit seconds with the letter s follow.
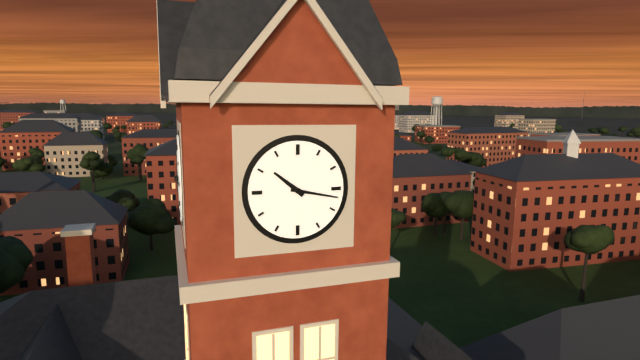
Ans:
10h17
